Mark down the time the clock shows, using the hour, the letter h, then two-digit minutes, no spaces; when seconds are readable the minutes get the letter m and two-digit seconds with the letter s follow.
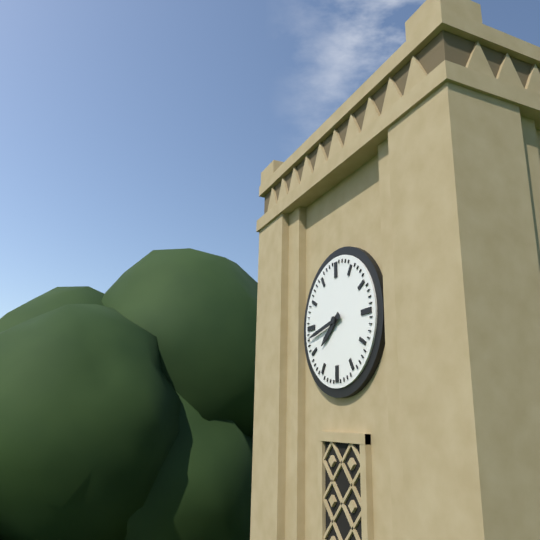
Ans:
7h43
